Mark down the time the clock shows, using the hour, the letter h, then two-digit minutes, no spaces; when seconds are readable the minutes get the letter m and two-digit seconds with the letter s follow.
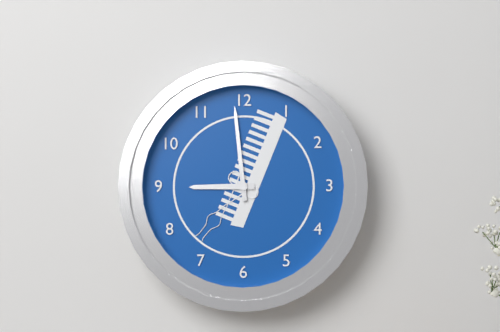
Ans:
8h59
